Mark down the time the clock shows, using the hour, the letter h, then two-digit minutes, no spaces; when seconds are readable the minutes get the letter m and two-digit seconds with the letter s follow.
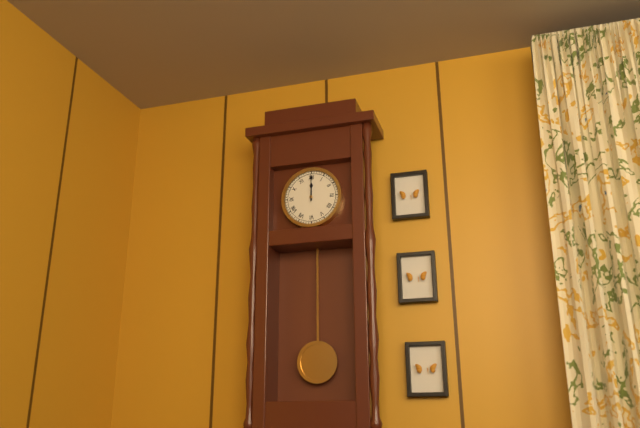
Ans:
12h00
